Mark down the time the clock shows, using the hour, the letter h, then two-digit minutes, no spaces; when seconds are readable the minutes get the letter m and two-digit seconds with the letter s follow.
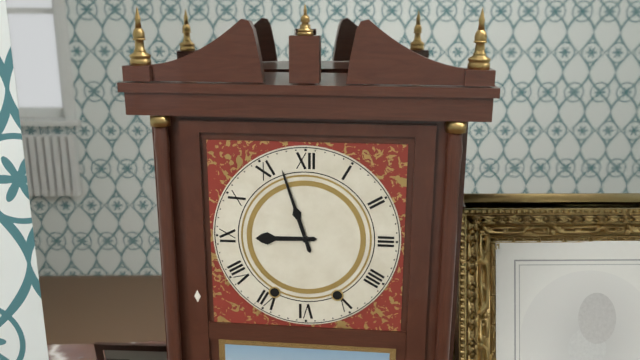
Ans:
8h57
